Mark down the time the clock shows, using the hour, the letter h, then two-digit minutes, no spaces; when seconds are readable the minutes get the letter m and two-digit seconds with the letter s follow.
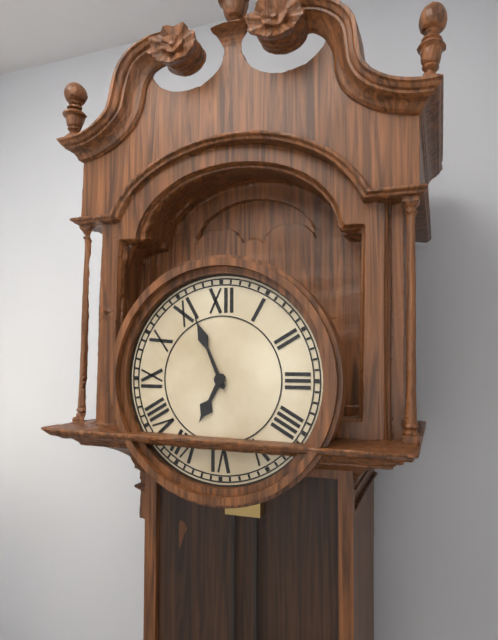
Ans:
6h56
